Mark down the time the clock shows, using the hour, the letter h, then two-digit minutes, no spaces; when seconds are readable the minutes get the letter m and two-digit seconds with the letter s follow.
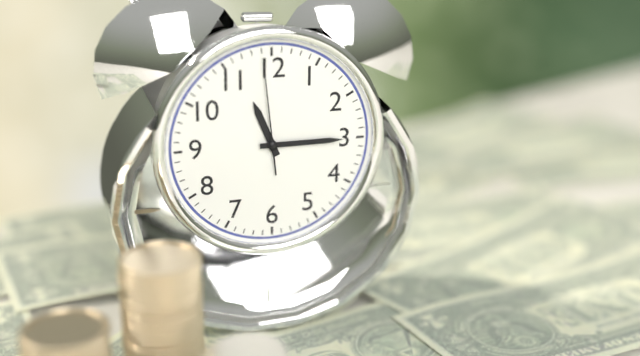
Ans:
11h15m59s
